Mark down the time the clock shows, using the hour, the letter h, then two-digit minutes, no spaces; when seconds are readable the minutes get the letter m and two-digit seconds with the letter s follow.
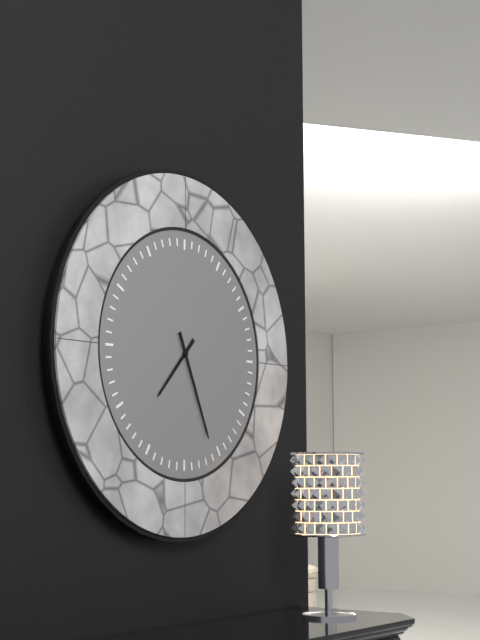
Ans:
7h26
